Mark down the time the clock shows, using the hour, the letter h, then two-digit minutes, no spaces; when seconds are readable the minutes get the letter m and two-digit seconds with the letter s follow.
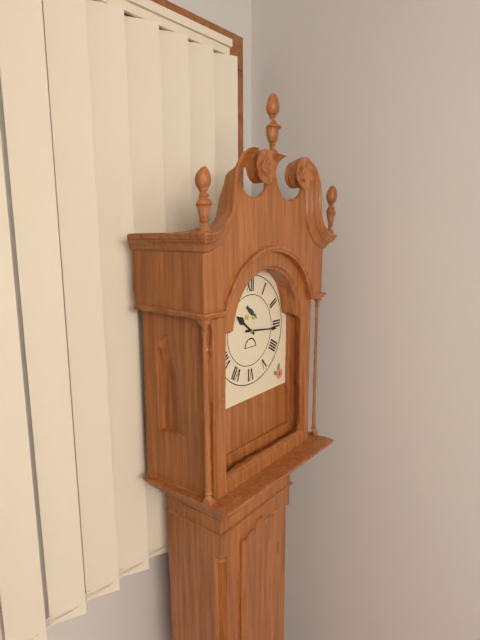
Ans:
10h16
